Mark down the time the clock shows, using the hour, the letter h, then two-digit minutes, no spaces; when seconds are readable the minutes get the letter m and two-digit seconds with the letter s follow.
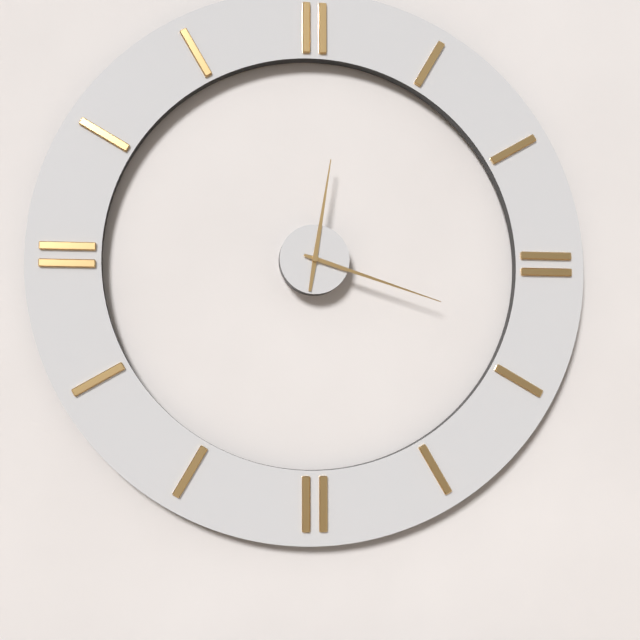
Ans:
12h18
